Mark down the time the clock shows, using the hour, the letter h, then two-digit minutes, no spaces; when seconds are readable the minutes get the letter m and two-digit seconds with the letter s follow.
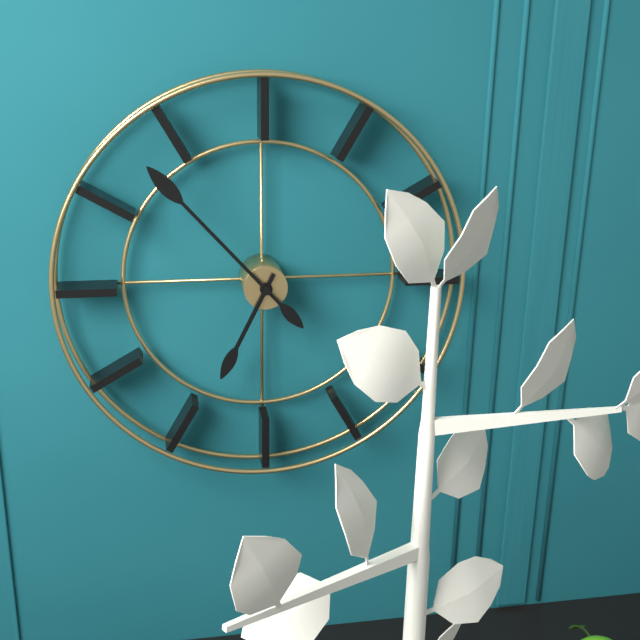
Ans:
6h53
